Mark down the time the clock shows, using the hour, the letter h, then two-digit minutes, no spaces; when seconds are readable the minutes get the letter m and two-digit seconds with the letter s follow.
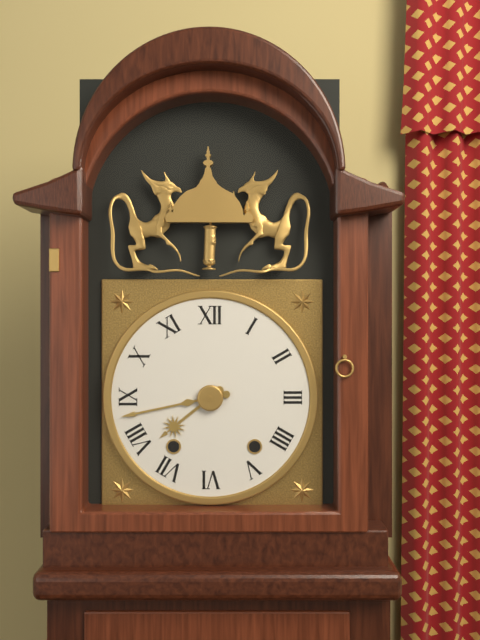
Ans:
7h43
